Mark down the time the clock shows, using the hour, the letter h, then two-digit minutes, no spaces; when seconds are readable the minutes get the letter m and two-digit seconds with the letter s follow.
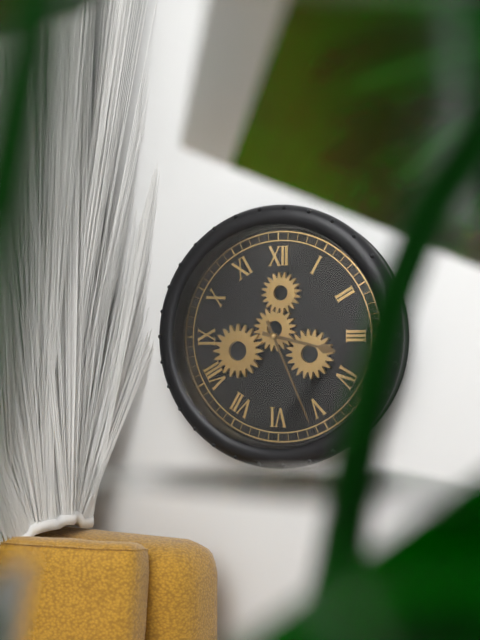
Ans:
3h26
